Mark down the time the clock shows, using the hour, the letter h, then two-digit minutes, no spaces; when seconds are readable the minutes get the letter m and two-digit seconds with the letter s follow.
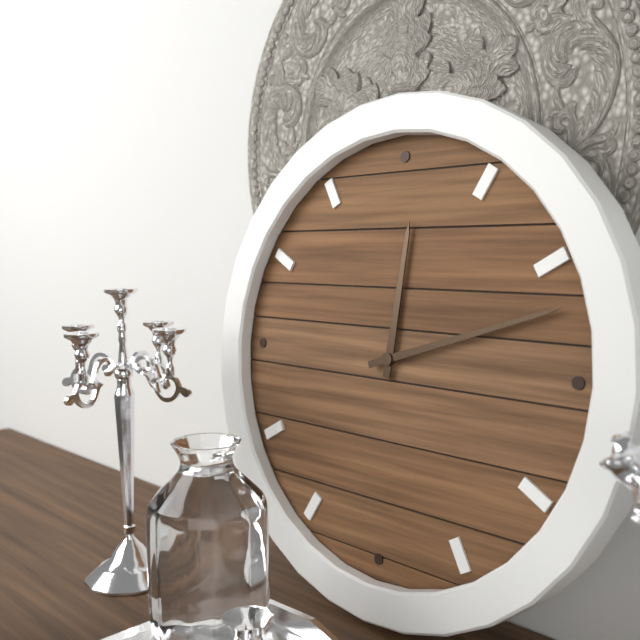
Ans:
12h12
